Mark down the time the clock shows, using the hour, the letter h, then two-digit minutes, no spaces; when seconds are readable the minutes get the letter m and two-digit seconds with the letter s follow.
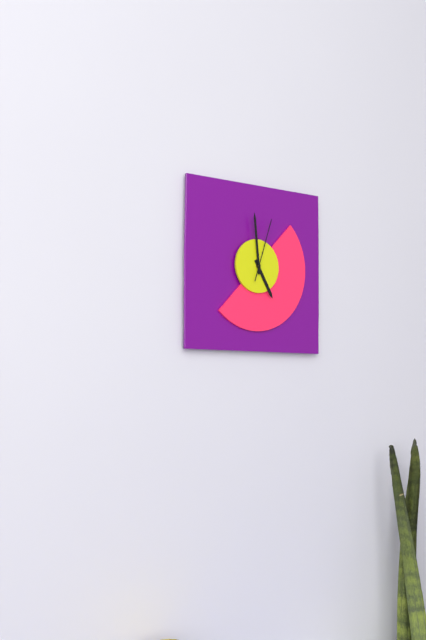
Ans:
4h59m03s
